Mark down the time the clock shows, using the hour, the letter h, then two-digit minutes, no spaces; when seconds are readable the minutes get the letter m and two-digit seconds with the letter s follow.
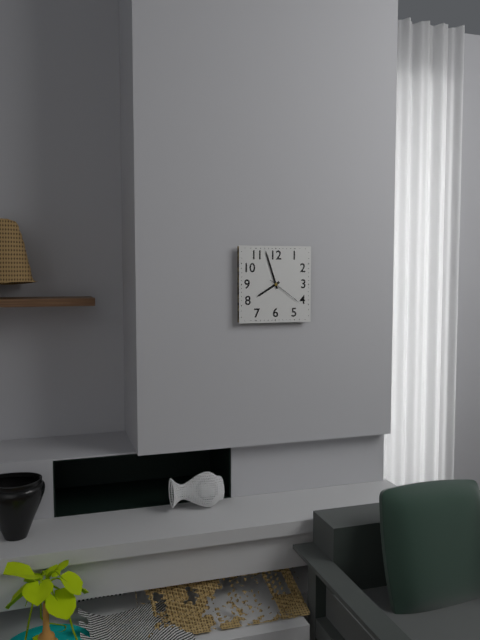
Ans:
7h57
